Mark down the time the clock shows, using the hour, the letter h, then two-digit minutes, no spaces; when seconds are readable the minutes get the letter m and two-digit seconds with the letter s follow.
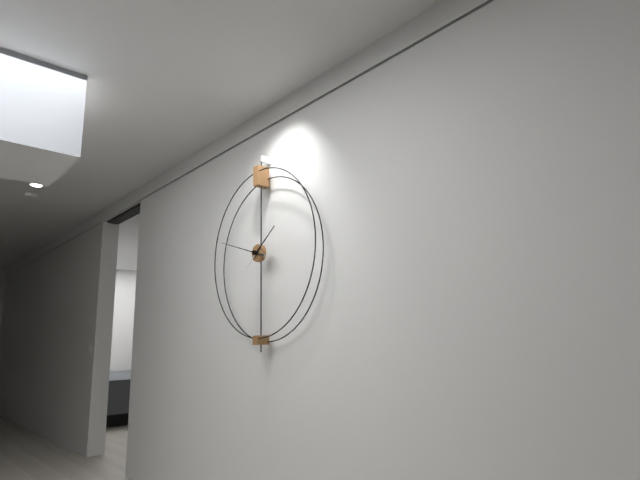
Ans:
1h48
